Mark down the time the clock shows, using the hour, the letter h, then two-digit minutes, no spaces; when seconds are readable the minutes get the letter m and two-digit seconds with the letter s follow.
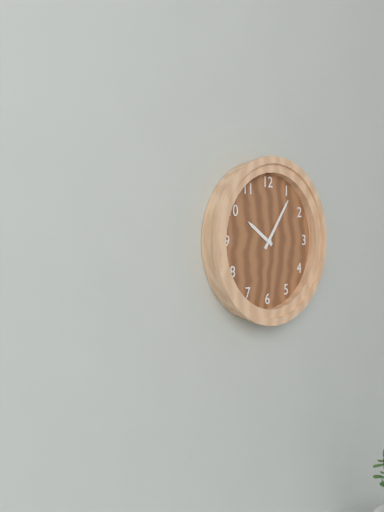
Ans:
10h06
